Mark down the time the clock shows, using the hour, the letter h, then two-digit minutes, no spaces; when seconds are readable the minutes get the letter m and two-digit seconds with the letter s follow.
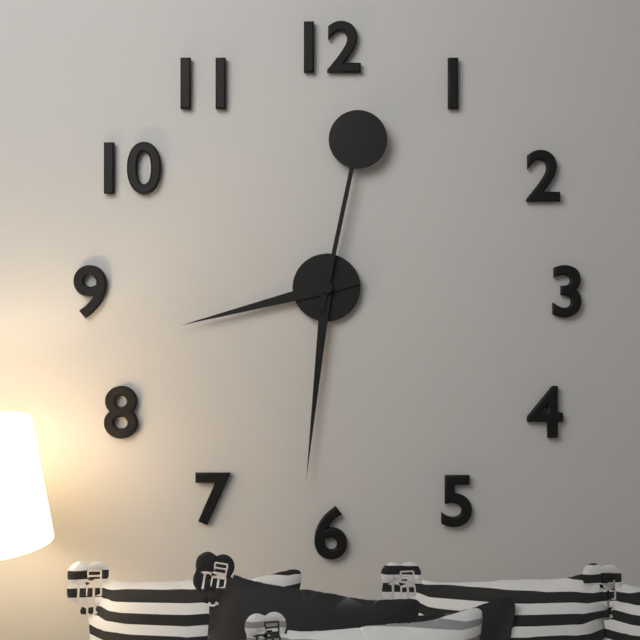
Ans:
8h31m02s
